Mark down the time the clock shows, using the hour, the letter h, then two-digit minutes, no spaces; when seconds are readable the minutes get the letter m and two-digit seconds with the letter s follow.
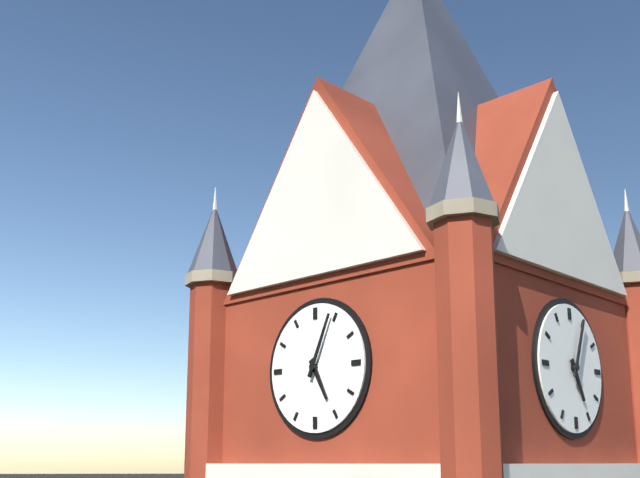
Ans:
5h04
